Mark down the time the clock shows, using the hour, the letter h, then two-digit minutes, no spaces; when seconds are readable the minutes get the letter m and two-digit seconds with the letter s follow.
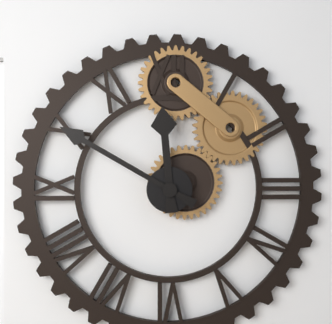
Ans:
11h50
